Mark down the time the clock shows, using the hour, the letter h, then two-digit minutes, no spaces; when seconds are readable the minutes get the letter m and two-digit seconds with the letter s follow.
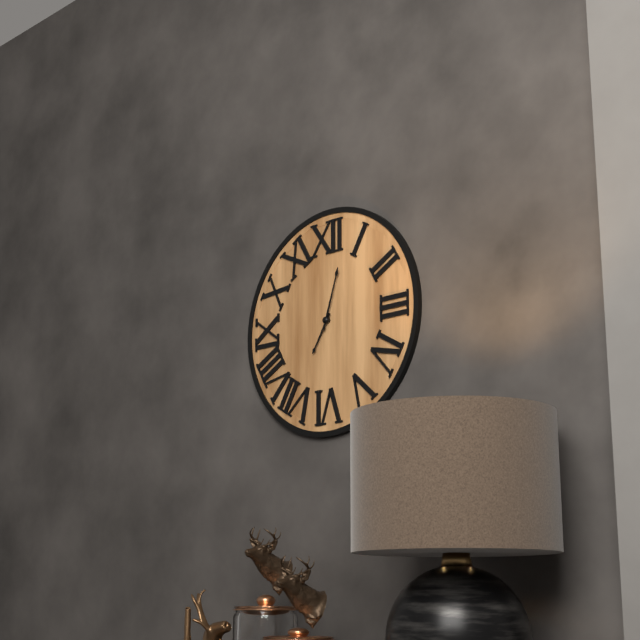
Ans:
7h03
